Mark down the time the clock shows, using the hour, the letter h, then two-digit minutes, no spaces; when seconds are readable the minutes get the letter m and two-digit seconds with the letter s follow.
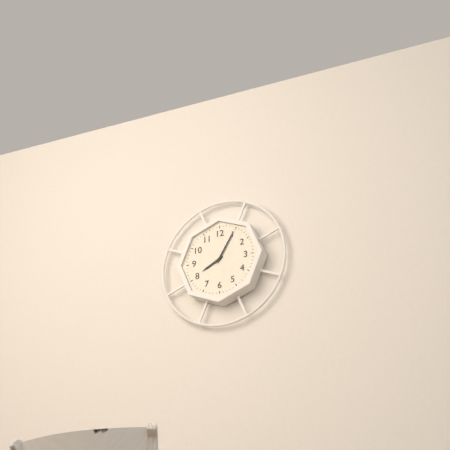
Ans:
8h05
